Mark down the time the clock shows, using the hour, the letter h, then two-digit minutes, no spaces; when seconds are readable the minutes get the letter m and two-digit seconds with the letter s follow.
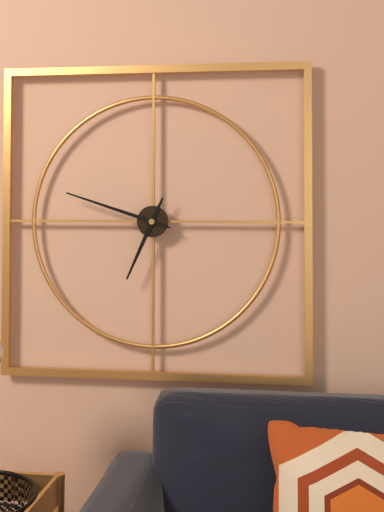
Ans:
6h48
